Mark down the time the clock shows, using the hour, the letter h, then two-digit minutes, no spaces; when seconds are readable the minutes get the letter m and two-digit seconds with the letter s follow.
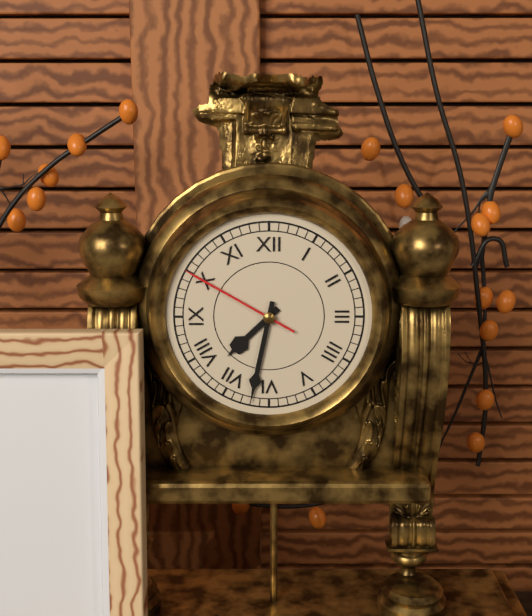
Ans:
7h32m50s
